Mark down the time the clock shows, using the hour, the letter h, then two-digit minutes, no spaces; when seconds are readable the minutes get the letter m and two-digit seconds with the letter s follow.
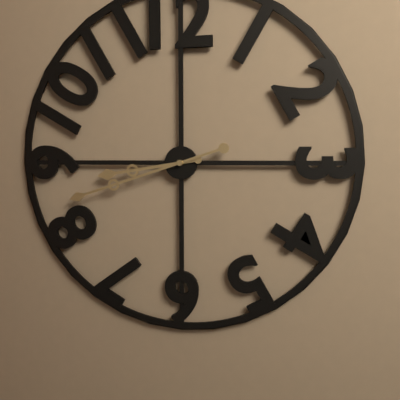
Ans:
8h42
